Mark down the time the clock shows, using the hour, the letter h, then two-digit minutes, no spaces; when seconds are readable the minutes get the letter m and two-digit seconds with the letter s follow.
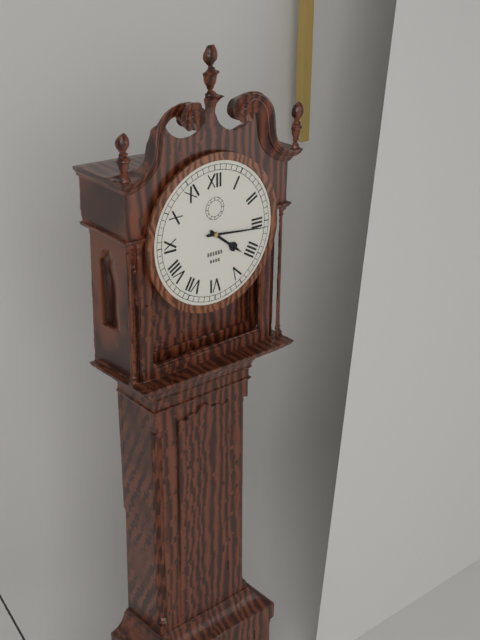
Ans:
4h16
